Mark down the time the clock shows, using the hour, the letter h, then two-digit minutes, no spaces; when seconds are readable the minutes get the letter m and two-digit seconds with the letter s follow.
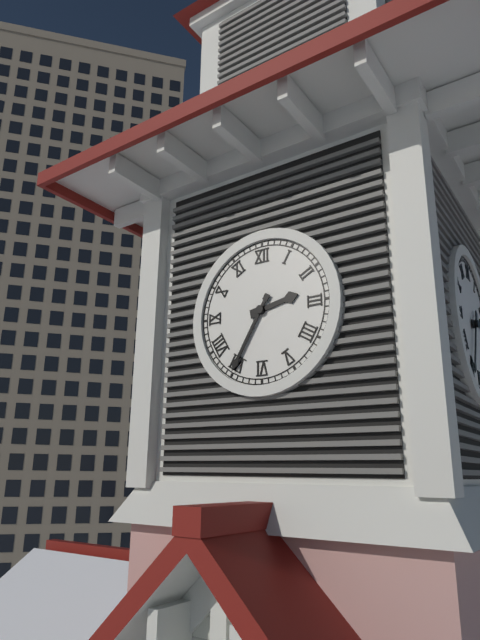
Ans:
2h35
